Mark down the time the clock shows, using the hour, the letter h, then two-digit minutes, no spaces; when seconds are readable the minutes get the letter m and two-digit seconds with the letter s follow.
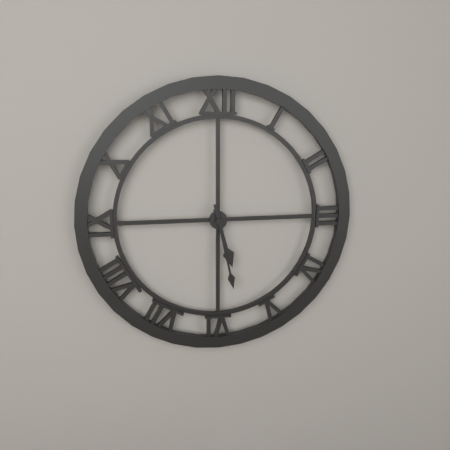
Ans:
5h28
